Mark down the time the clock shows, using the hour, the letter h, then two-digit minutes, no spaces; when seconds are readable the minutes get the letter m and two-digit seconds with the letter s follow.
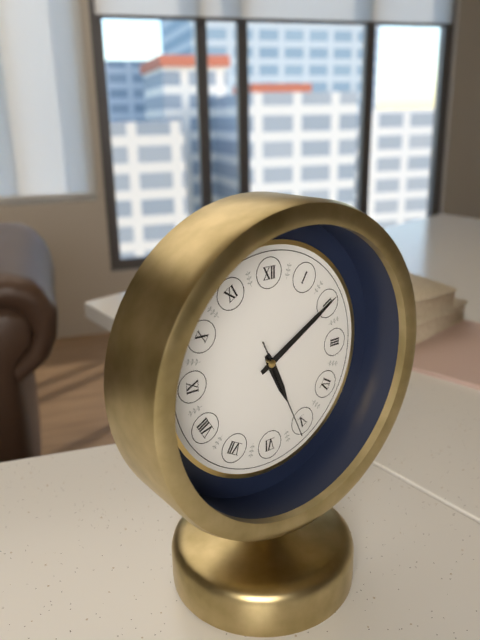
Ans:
5h10m26s
